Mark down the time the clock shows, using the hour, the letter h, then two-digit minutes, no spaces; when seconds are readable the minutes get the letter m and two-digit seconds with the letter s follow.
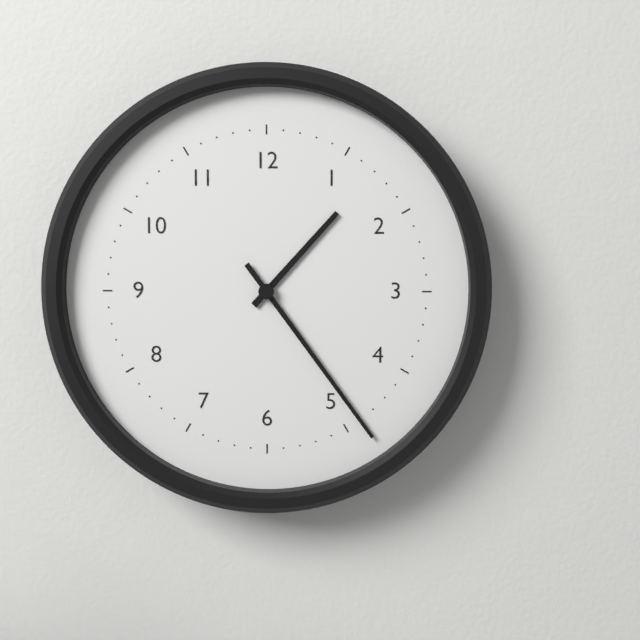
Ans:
1h24
